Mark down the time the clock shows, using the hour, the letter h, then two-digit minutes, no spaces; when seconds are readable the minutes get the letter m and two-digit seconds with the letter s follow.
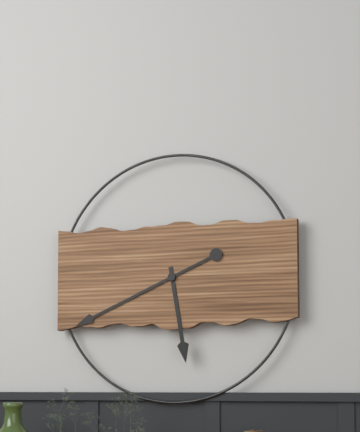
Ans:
5h41
